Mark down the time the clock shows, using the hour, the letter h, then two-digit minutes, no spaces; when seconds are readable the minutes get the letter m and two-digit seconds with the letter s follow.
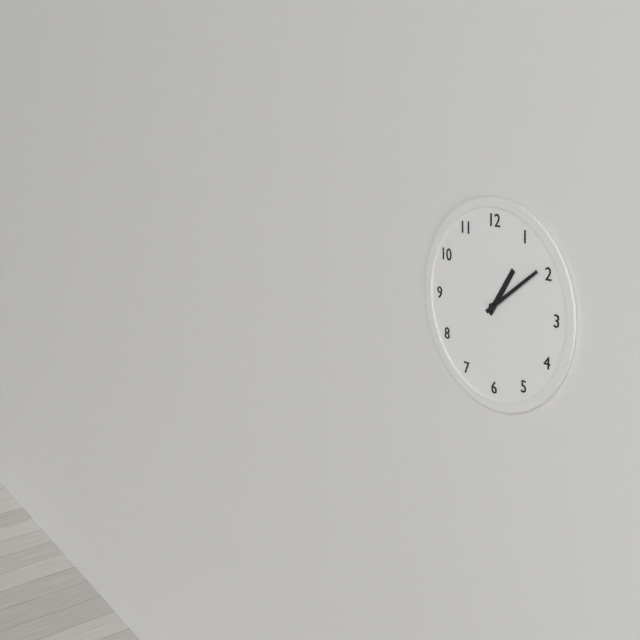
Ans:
1h09
